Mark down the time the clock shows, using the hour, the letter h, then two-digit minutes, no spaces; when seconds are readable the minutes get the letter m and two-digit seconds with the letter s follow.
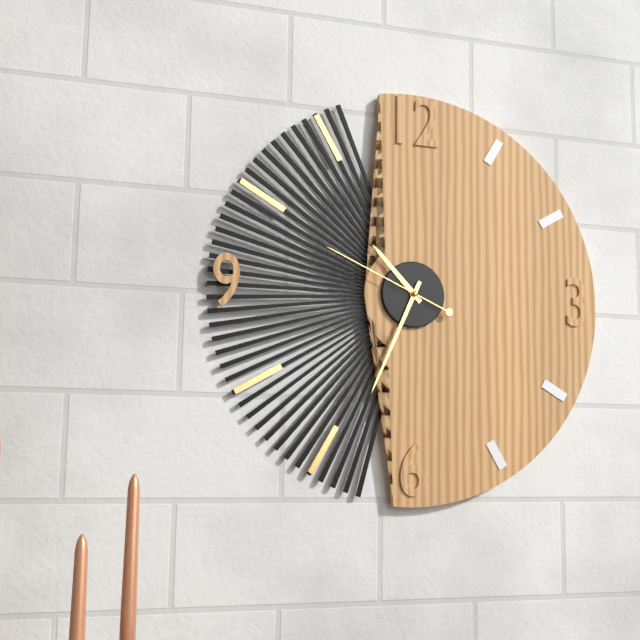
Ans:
10h34m49s
